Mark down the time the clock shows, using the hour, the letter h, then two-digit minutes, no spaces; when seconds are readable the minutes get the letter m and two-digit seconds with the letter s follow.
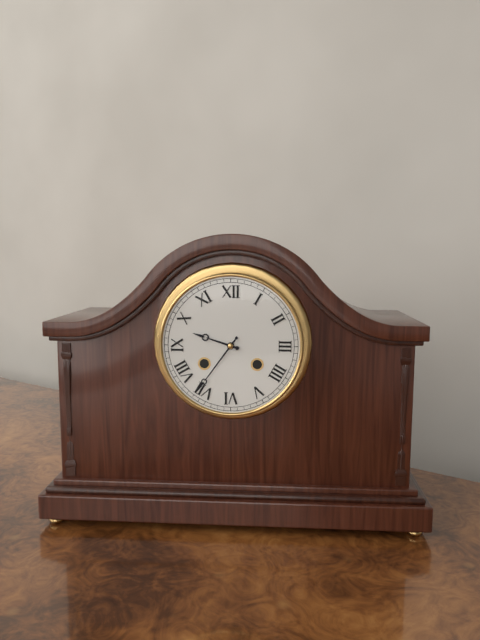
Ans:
9h36
